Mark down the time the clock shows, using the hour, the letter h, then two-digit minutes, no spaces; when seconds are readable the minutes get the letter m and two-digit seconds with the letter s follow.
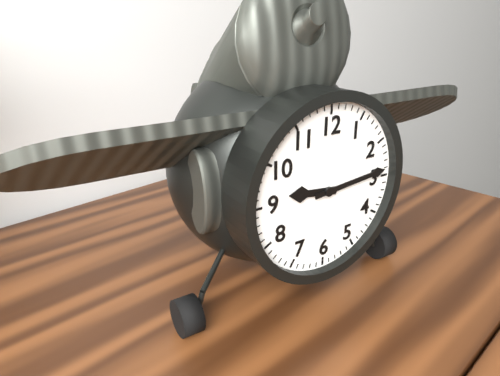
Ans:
9h14
